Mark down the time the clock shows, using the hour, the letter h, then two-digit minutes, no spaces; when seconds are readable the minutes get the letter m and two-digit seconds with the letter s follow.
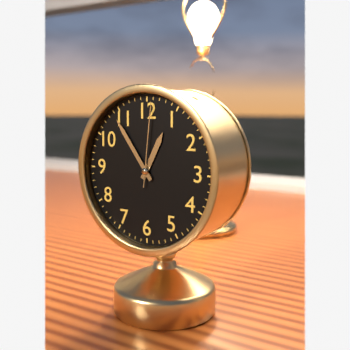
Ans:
12h54m01s
